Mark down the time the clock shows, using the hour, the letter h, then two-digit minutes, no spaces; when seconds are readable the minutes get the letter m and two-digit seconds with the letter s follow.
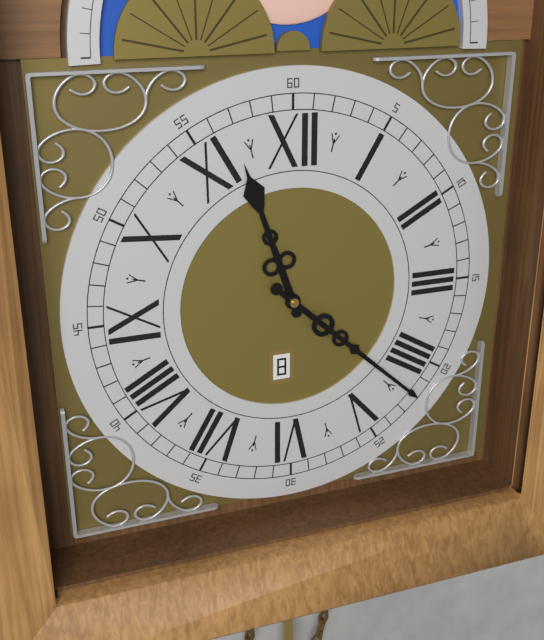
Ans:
11h22
